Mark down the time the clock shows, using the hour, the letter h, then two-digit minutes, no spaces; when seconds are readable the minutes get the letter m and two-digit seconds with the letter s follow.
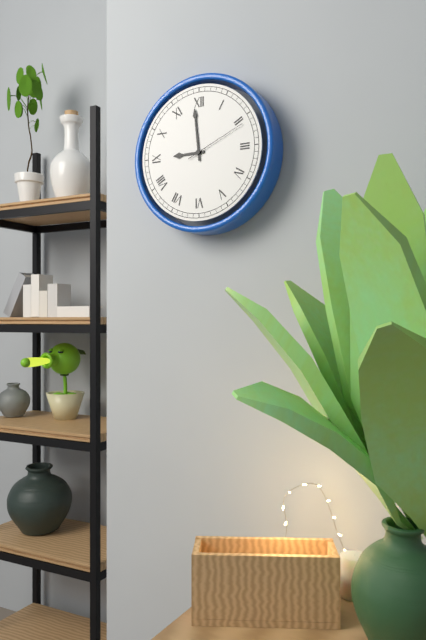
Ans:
8h59m11s
